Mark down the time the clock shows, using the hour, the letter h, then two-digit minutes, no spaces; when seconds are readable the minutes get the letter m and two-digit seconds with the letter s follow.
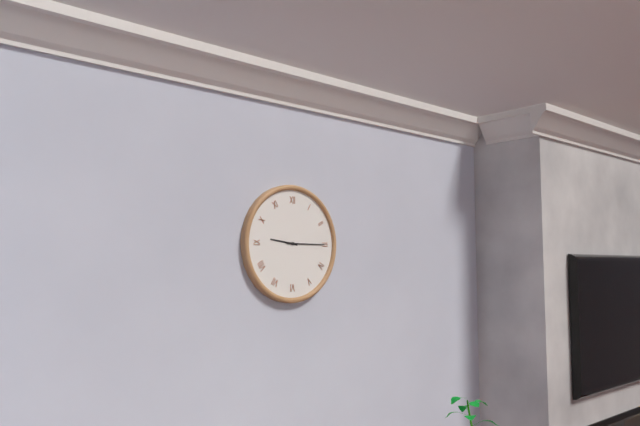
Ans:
9h15
